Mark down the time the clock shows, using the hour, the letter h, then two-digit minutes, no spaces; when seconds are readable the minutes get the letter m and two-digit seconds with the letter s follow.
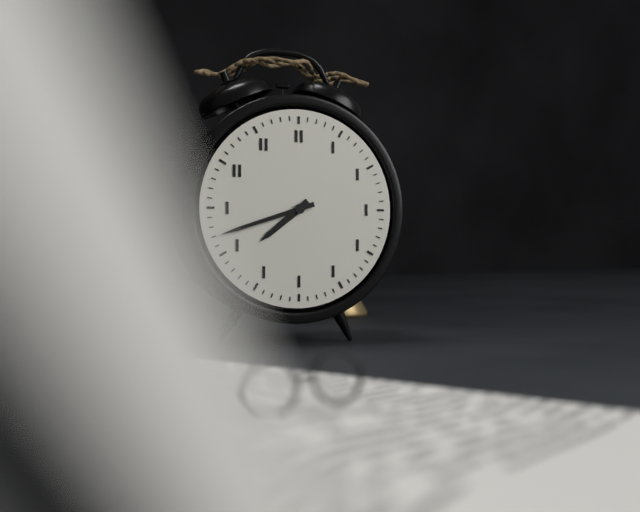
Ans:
7h42
